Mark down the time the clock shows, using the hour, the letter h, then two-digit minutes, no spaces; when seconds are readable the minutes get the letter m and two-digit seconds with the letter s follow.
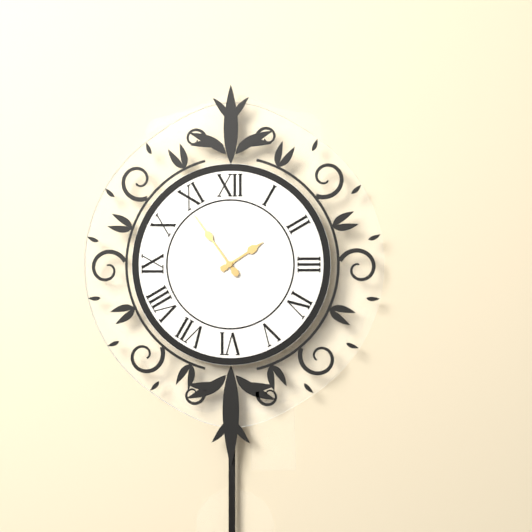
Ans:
1h54
